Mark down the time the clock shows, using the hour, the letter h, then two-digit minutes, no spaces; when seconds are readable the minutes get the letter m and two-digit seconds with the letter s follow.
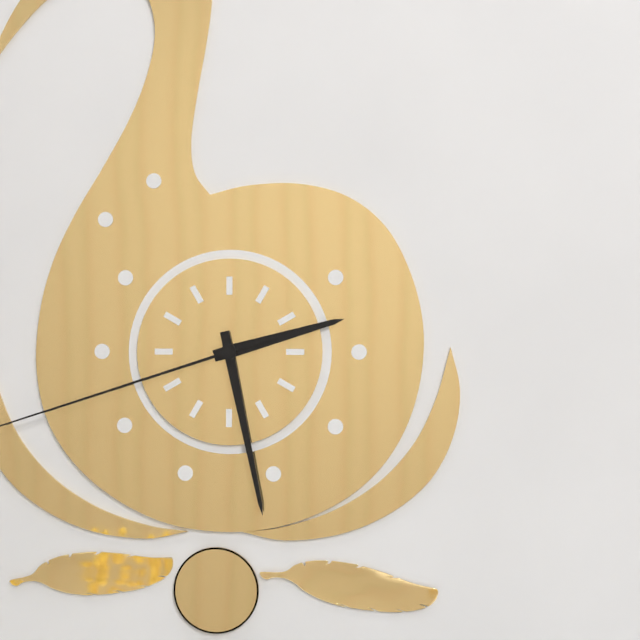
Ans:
2h28
